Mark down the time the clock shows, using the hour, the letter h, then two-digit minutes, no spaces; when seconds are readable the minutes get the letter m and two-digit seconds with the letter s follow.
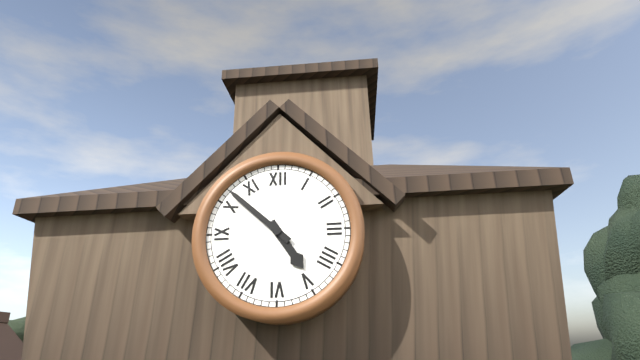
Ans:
4h52
